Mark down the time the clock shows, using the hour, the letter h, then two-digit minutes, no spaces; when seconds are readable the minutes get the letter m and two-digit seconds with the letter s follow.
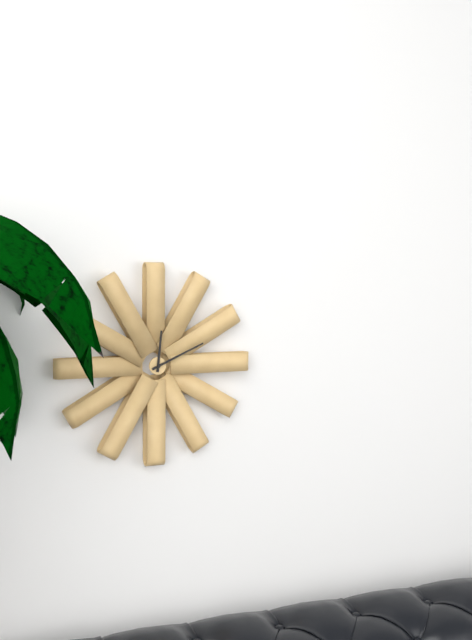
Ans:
12h11
